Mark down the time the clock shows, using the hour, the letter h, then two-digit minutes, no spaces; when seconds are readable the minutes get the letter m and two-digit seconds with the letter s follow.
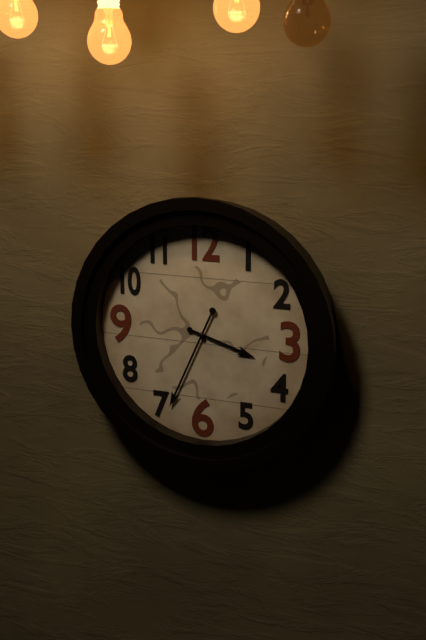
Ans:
3h34
